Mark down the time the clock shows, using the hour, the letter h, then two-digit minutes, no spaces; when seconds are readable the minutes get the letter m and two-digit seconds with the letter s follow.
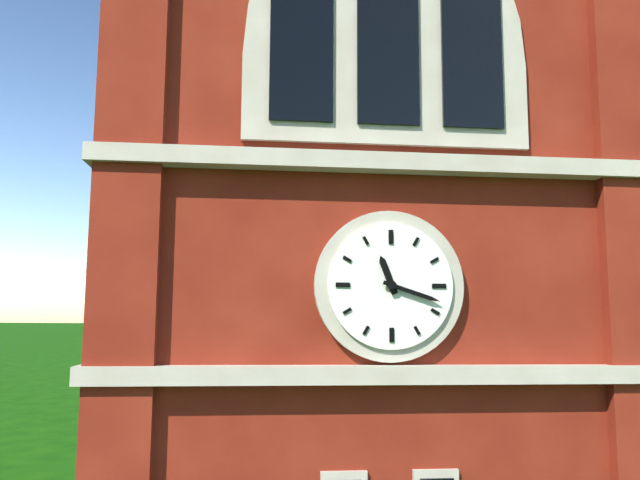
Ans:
11h18
